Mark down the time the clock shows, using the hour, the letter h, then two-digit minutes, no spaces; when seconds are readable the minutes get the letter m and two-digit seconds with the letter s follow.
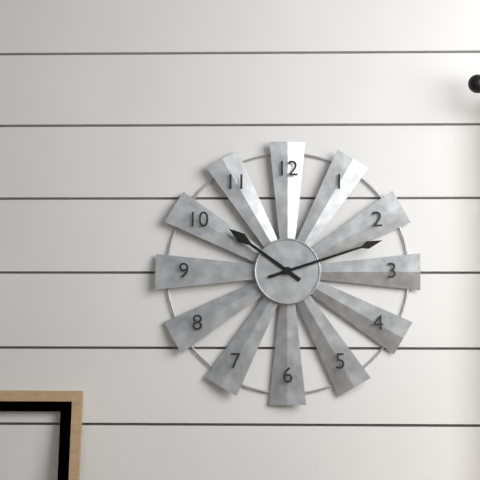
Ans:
10h12
